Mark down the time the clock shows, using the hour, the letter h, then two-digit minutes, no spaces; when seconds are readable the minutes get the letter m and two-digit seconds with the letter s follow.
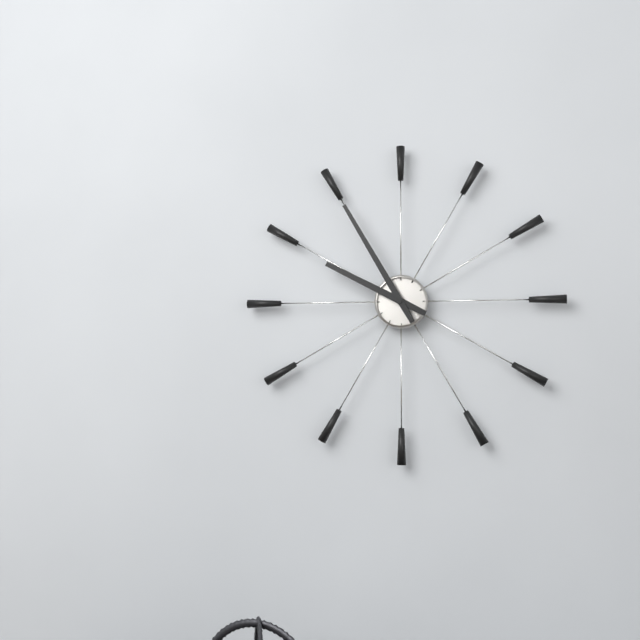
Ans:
9h55
